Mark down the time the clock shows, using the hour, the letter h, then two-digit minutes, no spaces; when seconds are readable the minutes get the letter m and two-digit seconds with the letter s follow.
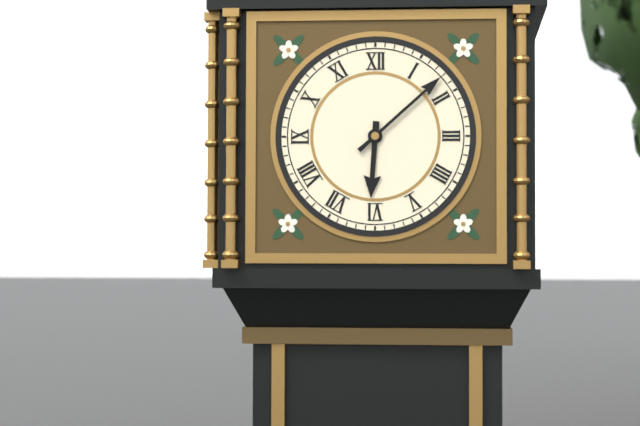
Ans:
6h08
